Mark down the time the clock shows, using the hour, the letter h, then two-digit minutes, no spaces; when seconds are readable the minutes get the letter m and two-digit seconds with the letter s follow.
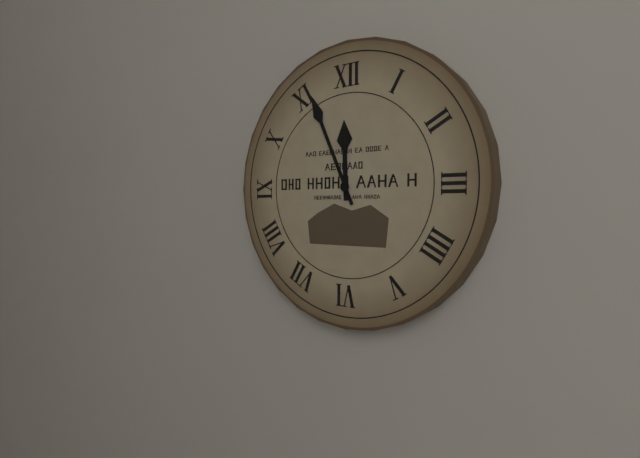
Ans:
11h56
